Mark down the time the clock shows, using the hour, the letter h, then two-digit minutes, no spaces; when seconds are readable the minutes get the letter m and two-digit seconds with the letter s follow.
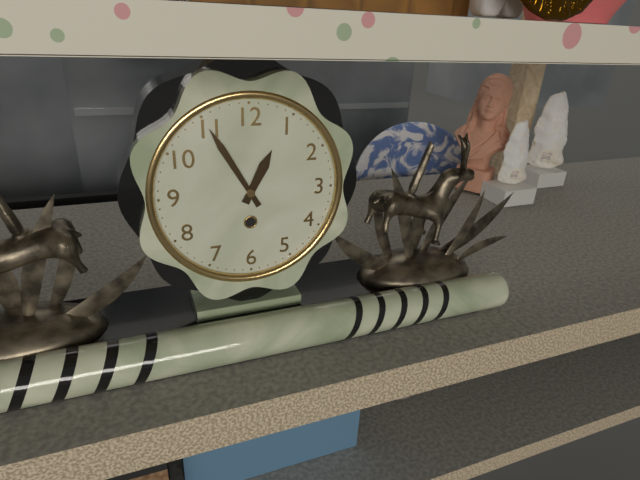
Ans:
12h55
